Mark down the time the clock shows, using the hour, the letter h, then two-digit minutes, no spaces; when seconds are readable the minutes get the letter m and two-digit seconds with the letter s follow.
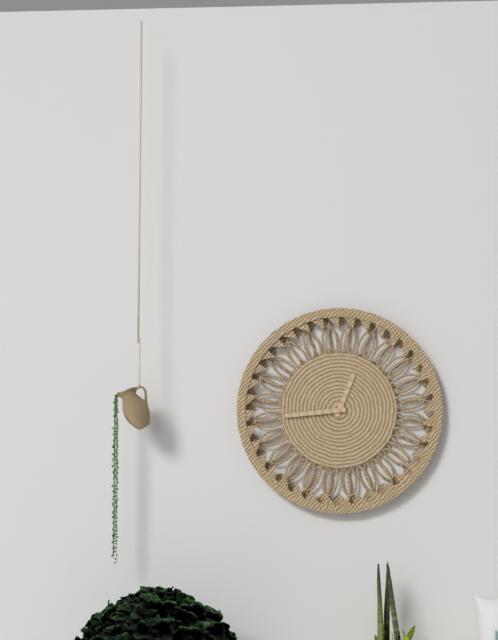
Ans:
12h44
